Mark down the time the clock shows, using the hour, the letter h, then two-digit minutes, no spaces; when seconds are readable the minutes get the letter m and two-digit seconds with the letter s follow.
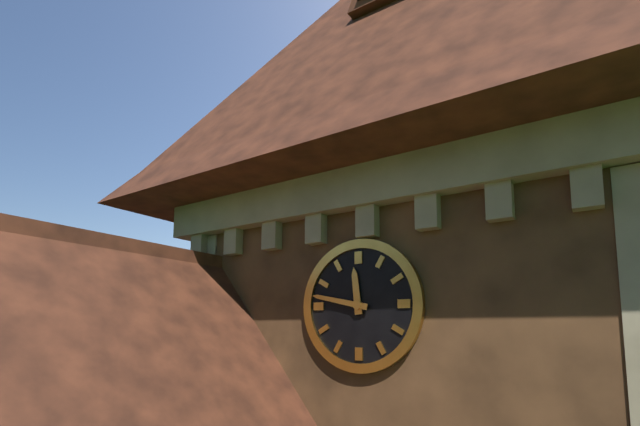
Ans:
11h47
